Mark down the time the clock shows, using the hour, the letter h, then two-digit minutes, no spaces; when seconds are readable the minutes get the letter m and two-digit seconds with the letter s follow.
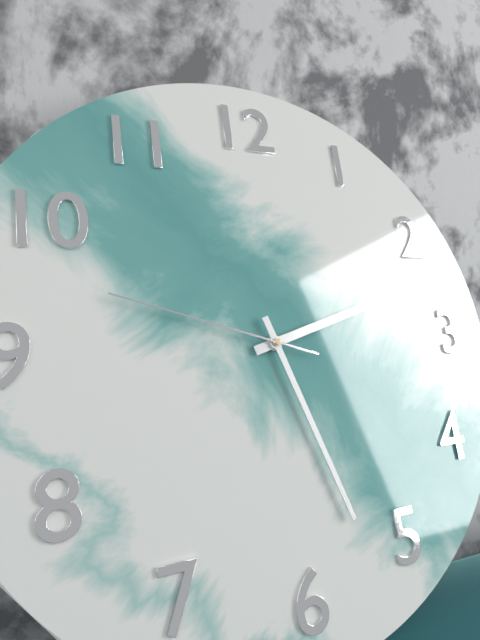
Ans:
2h27m48s
